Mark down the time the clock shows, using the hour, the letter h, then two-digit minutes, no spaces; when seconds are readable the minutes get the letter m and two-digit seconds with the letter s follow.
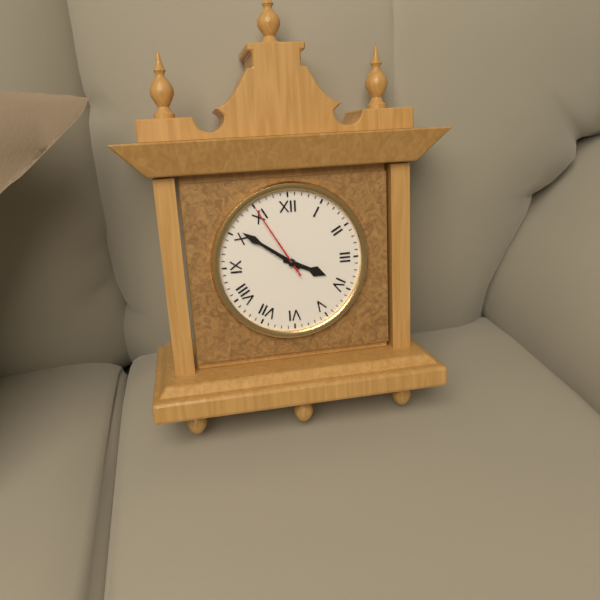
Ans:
3h51m55s
